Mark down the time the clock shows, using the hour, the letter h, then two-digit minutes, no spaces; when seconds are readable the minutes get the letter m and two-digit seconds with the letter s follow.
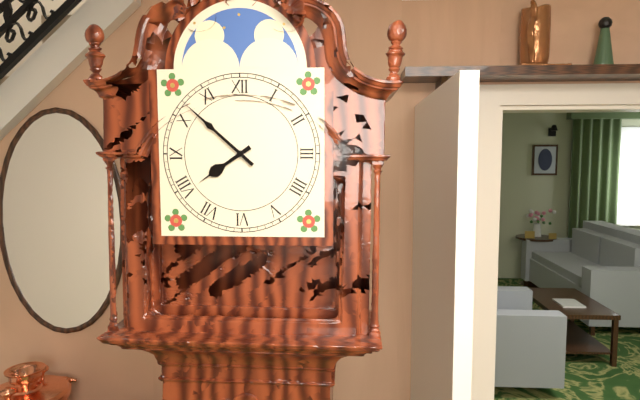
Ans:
7h52
